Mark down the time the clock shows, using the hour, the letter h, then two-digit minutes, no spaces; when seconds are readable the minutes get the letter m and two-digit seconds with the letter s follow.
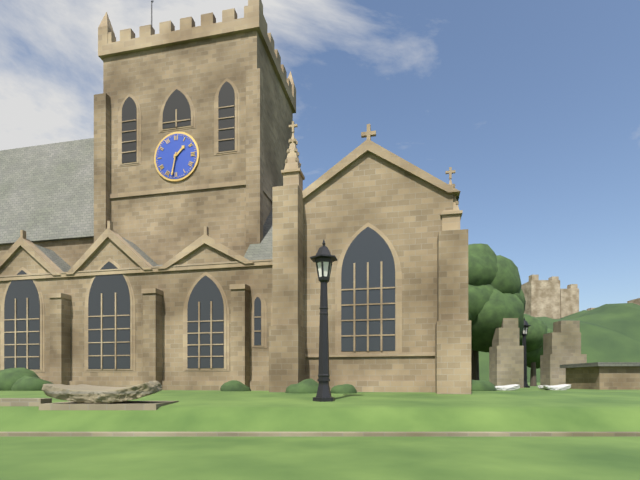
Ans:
1h32
